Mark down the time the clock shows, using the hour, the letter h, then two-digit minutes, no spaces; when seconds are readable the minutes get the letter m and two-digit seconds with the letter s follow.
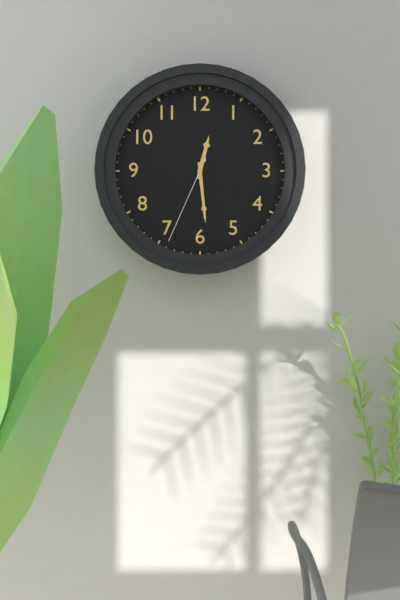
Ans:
12h29m34s
